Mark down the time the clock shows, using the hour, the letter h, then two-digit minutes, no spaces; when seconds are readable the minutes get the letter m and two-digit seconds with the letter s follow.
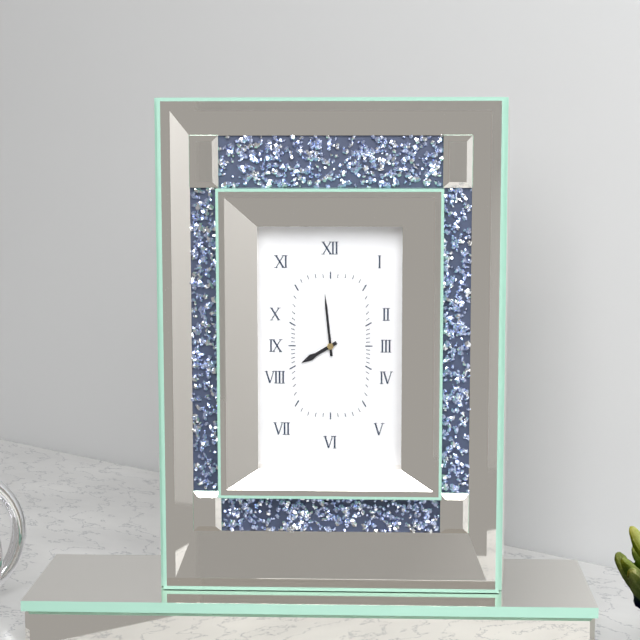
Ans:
7h59
